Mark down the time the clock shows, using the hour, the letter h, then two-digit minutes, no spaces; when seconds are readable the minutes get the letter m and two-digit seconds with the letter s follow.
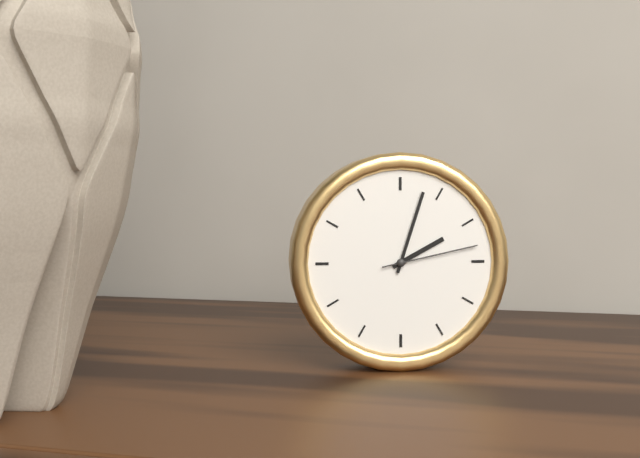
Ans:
2h03m13s
